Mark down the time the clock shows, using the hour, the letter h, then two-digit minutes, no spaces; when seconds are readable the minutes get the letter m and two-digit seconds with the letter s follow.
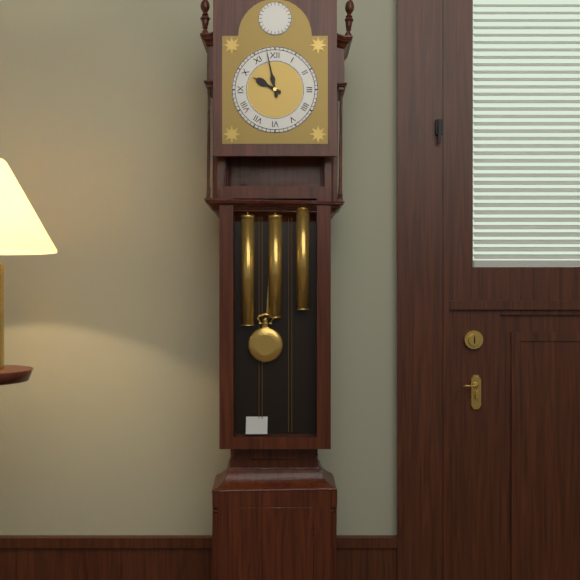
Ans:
9h58
